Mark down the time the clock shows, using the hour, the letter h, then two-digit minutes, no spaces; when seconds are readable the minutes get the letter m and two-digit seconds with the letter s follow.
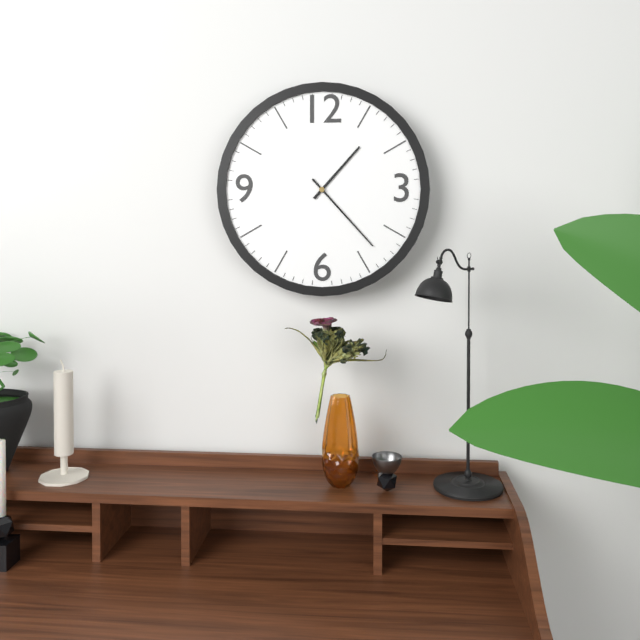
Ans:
1h23
